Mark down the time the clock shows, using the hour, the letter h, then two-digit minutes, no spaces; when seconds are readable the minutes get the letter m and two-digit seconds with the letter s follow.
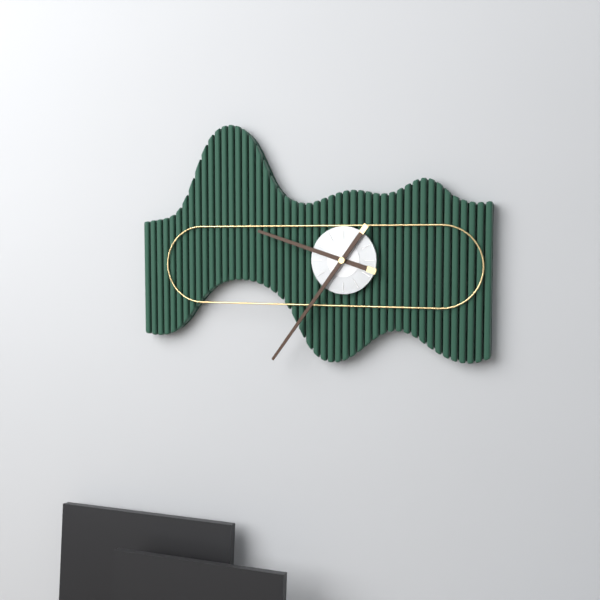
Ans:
9h36
